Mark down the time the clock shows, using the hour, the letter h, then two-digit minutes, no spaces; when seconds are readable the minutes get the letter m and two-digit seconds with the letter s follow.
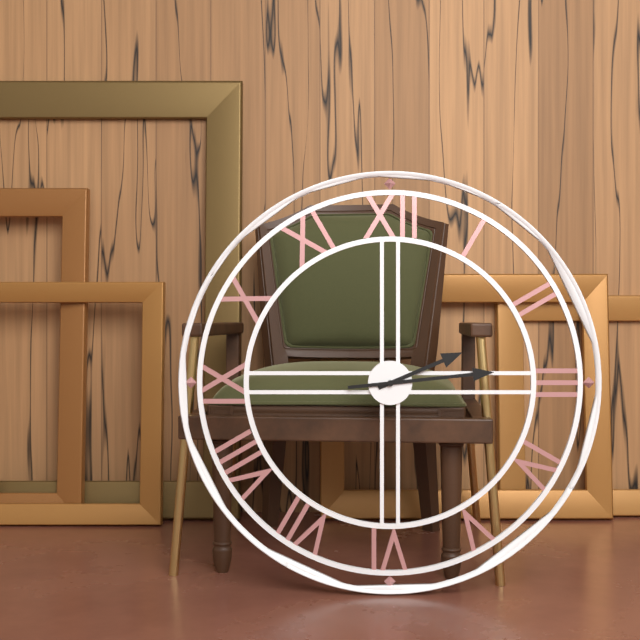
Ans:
2h14
